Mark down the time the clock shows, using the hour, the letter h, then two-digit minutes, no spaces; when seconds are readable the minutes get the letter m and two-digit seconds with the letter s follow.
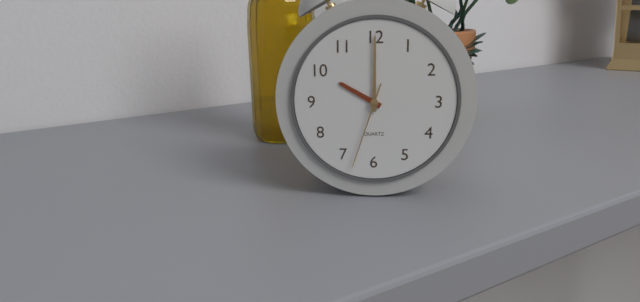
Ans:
10h00m33s
